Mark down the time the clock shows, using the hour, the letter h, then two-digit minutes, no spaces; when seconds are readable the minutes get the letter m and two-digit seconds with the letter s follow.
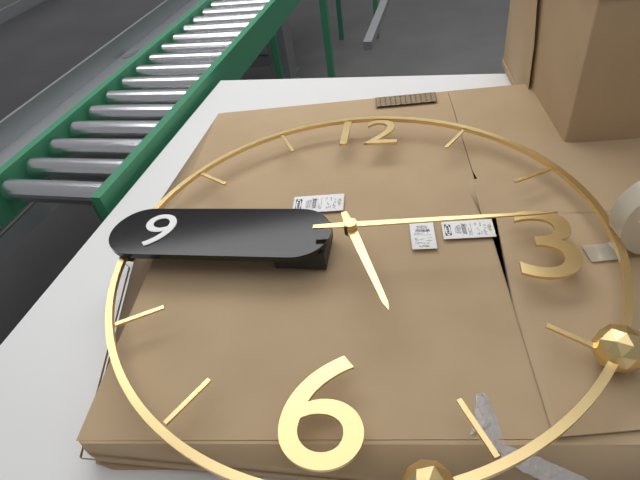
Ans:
5h14
